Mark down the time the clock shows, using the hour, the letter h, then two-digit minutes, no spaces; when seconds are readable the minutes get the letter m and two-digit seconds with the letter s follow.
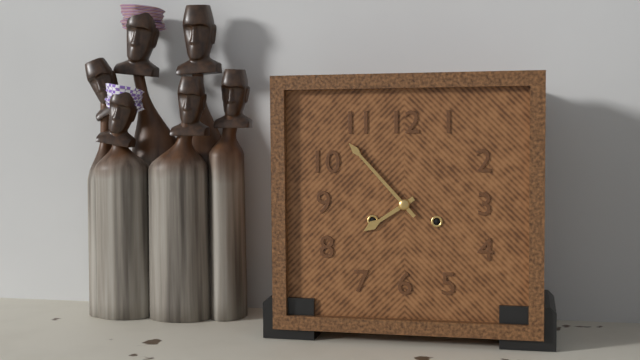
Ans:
7h53
